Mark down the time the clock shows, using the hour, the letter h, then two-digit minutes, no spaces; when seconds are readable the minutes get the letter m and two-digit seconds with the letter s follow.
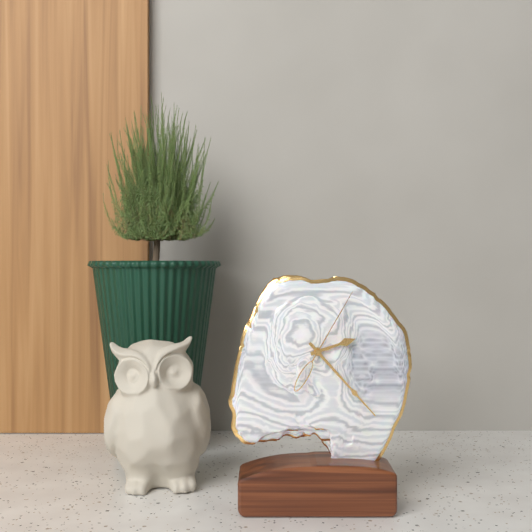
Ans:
2h23m05s
